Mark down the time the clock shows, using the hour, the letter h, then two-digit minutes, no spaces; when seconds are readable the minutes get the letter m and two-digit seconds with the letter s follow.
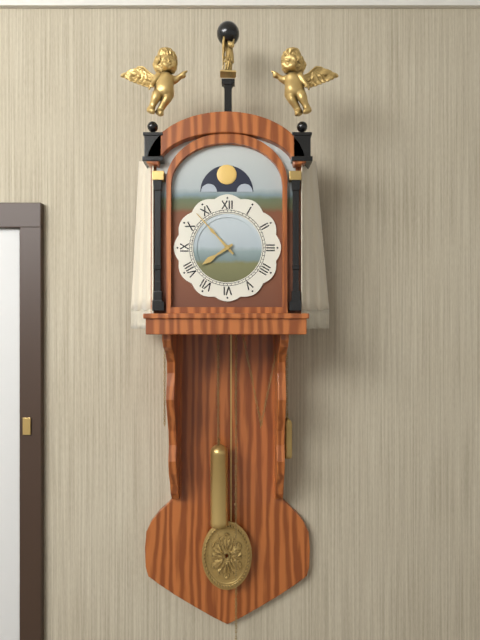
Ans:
7h53
